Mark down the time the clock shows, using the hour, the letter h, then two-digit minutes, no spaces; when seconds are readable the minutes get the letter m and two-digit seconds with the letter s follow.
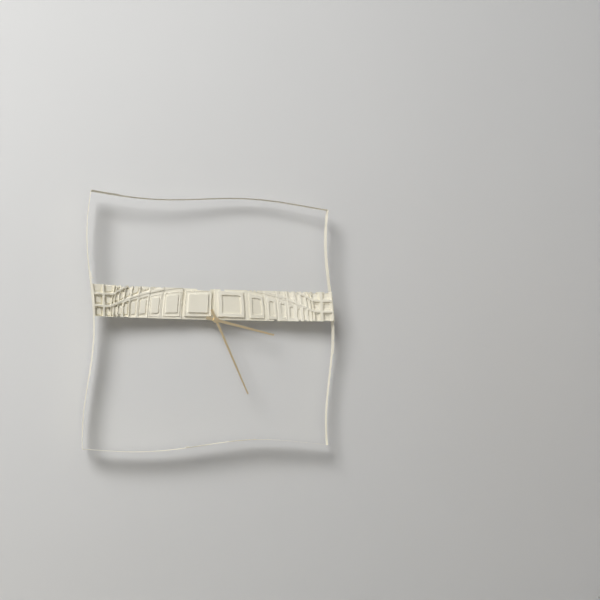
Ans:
3h26
